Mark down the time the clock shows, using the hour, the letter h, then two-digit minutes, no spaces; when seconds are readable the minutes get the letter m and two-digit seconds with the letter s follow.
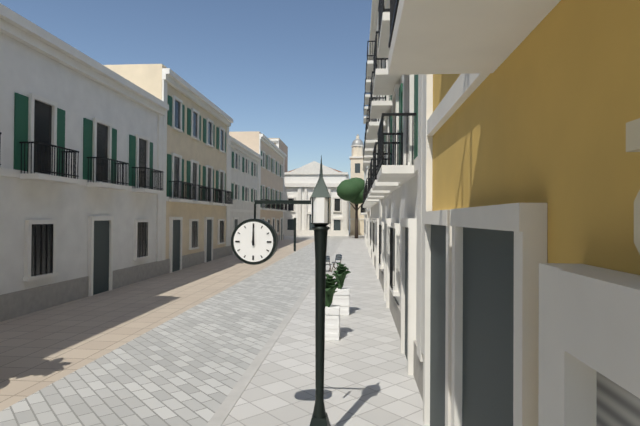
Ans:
12h00
